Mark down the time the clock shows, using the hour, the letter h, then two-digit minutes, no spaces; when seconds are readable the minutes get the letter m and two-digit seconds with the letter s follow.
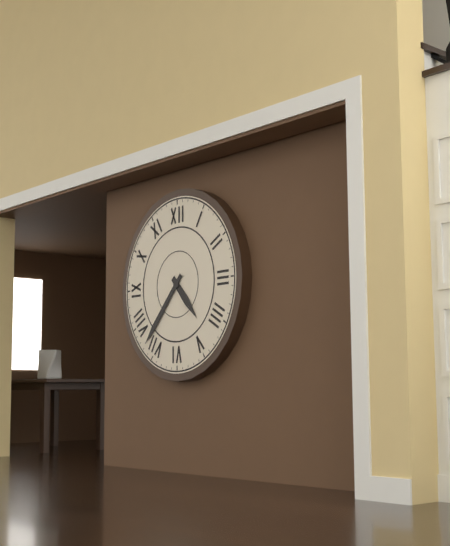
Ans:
4h37
